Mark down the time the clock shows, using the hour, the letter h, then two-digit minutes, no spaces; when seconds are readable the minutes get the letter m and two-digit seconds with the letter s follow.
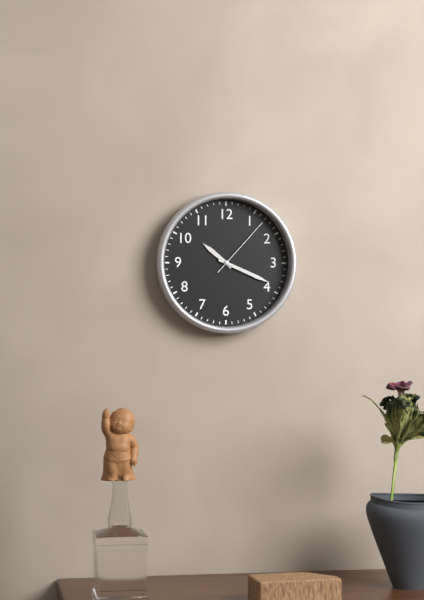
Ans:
10h19m07s
